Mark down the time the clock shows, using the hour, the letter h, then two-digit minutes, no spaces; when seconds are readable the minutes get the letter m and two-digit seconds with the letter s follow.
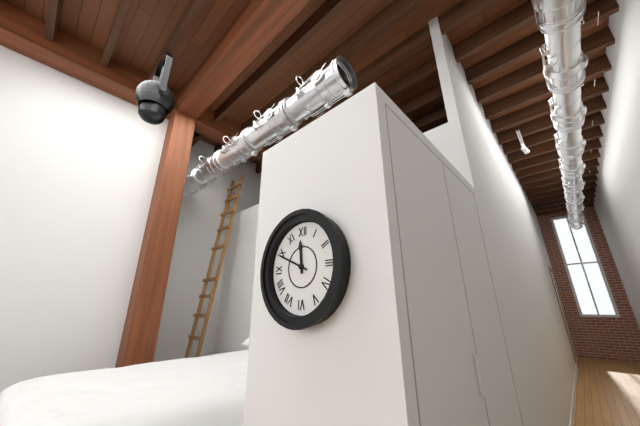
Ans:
11h49
